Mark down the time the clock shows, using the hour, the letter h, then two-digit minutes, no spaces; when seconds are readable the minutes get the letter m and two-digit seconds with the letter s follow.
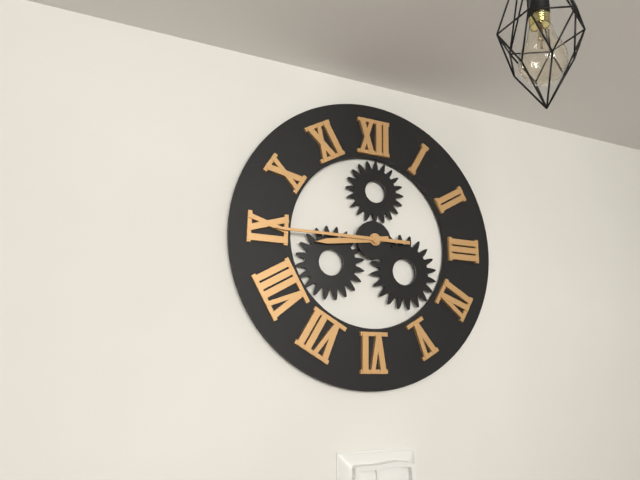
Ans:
8h45
